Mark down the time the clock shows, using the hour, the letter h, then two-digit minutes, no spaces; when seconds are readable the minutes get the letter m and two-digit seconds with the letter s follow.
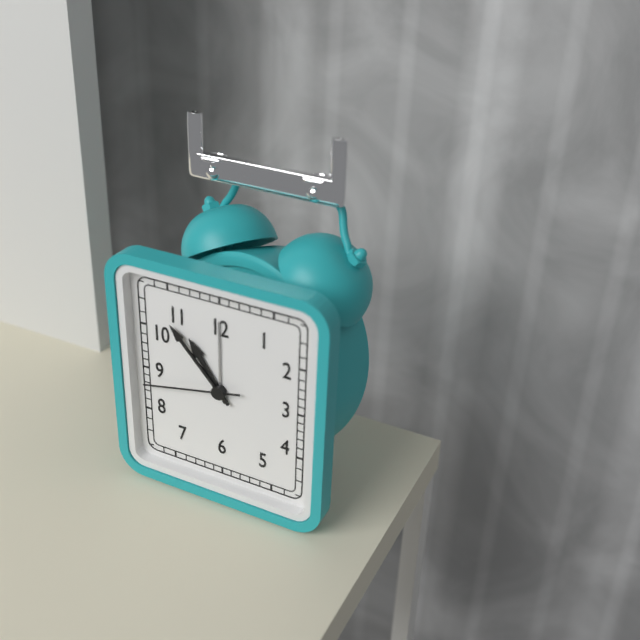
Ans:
10h53m43s
